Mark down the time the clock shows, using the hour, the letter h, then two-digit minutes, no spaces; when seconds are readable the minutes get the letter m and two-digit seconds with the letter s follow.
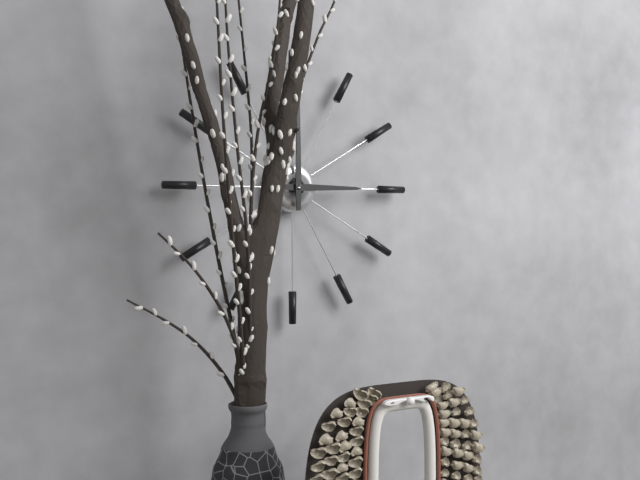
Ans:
3h00
